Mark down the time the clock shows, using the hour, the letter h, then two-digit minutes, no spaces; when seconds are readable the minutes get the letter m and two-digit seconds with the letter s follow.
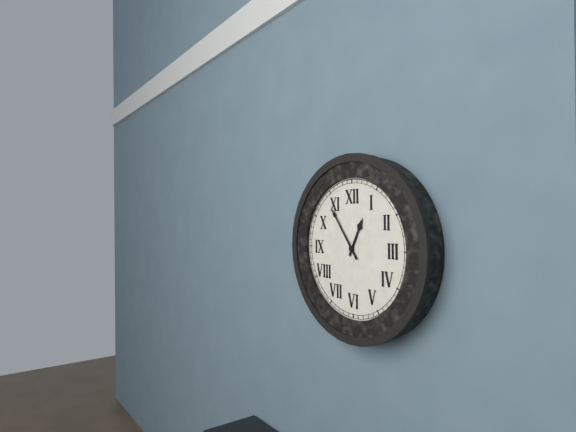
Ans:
12h54
